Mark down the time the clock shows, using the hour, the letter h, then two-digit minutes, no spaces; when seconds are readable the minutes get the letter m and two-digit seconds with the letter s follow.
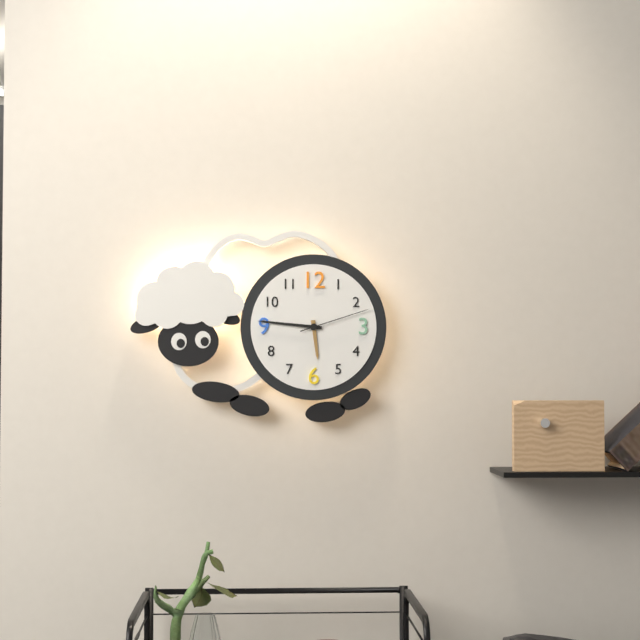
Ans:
5h46m12s
